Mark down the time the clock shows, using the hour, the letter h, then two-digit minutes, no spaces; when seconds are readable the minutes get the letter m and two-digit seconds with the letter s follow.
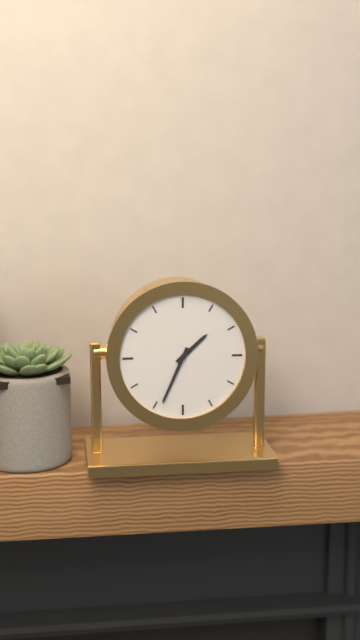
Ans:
1h34
